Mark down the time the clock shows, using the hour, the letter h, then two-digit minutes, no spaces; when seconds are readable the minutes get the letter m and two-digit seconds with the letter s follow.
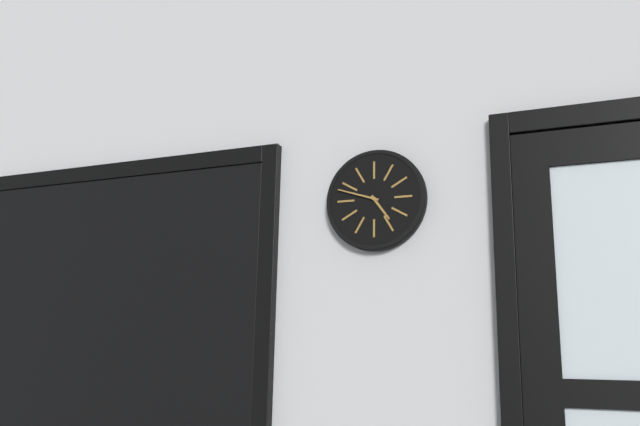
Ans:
4h48
